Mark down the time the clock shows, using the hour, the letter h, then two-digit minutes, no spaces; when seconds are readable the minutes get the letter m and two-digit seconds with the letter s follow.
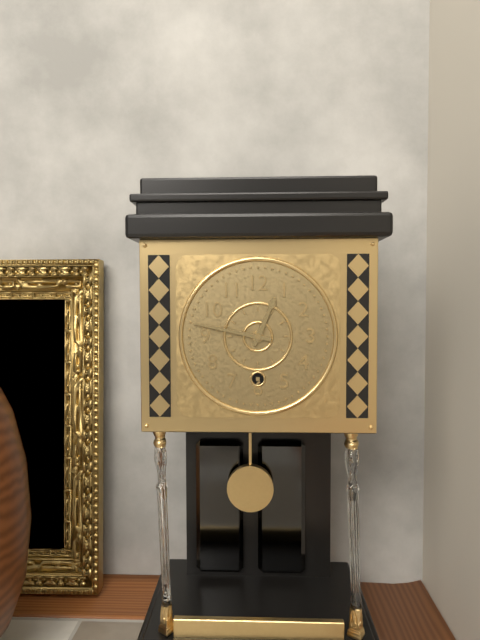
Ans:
12h47
